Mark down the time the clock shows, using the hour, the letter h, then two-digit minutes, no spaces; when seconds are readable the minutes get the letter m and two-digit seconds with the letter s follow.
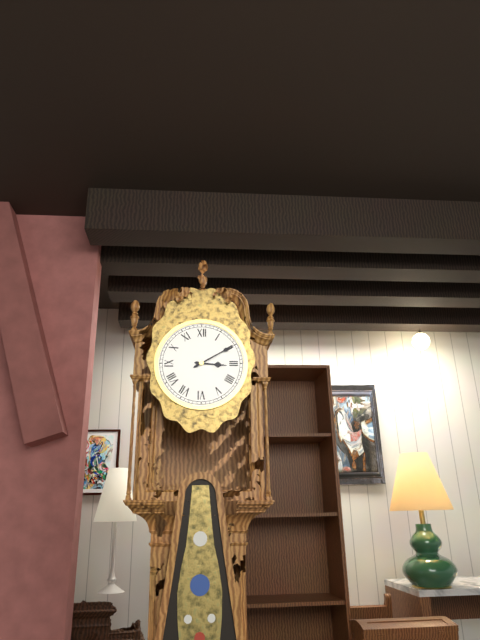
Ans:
3h10
